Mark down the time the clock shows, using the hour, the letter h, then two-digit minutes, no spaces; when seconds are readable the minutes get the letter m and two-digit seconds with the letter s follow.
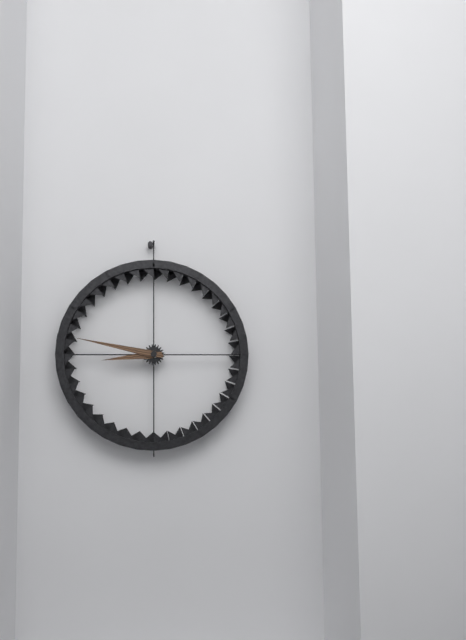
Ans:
8h47
